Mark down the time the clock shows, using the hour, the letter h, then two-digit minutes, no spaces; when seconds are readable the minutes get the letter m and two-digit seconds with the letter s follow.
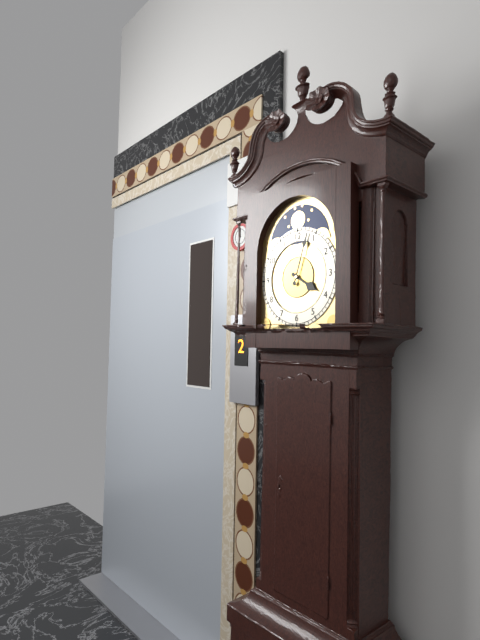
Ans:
4h03
